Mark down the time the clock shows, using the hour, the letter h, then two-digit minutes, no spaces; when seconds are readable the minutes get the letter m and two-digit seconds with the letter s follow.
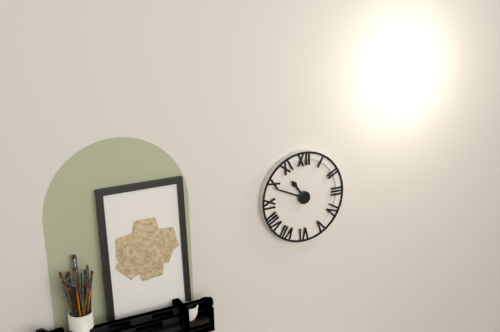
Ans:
10h49
